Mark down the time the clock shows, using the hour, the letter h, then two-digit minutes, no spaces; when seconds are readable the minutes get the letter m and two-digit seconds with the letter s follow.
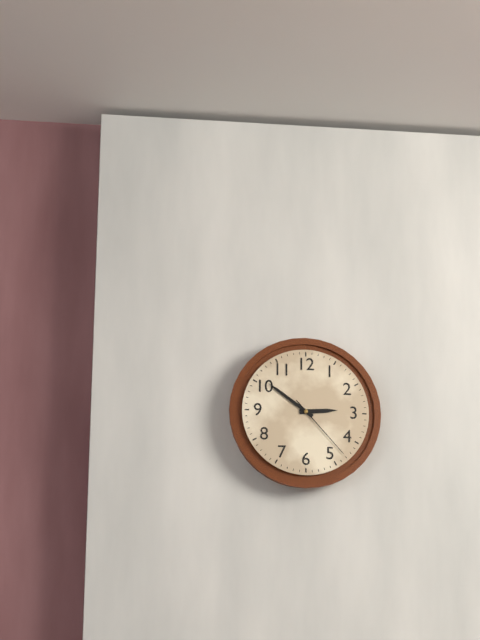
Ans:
2h51m23s
